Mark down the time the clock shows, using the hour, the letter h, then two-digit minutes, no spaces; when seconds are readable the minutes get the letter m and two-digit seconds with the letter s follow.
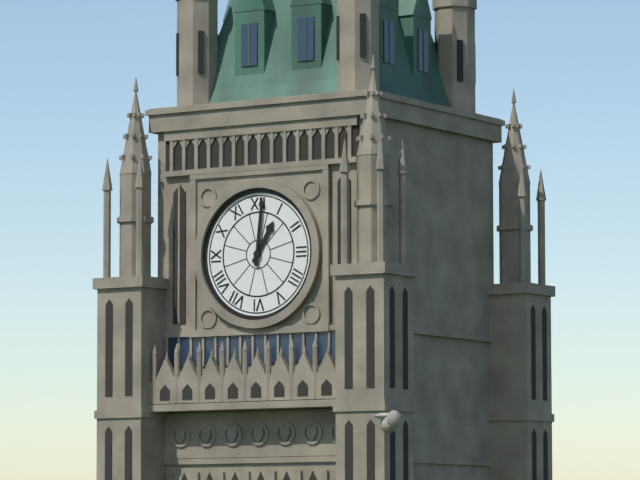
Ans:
1h01
